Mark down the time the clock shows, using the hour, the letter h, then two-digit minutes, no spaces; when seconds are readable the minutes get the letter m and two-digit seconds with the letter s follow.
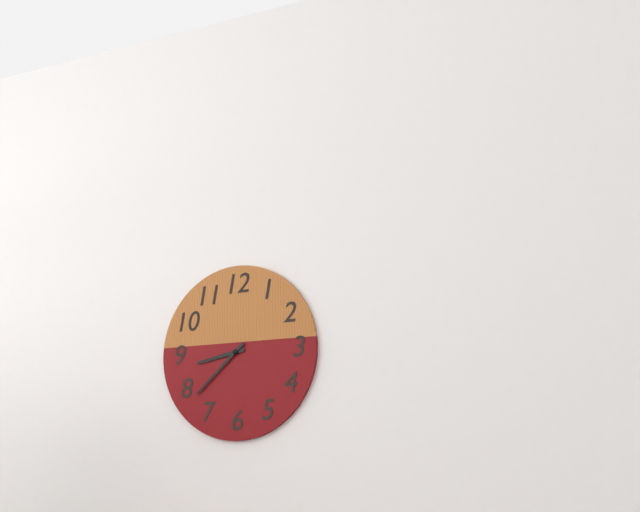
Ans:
8h38
